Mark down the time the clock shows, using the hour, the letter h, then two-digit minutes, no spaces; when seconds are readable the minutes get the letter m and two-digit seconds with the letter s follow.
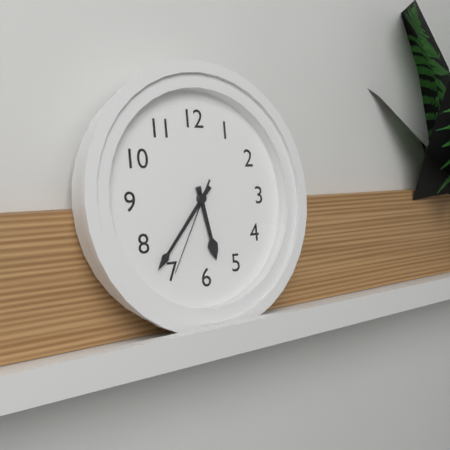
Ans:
5h37m35s
